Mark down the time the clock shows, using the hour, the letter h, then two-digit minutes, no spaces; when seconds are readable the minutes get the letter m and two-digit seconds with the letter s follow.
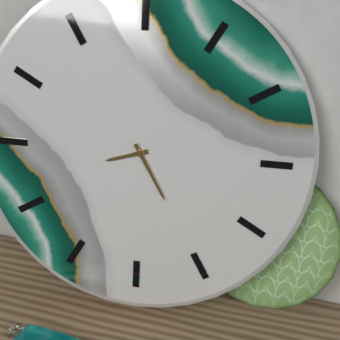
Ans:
8h25
